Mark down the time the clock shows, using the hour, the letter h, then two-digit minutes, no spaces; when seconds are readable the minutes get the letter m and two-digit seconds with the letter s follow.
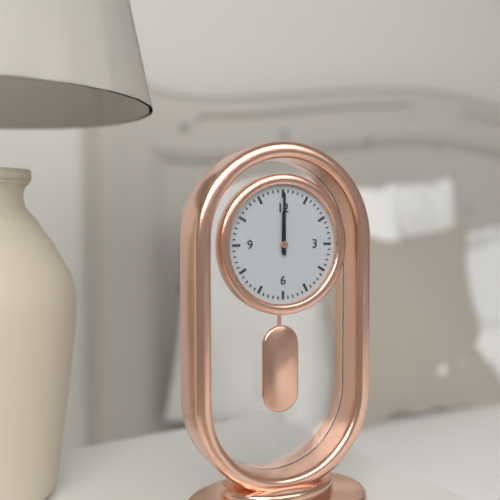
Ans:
12h00
